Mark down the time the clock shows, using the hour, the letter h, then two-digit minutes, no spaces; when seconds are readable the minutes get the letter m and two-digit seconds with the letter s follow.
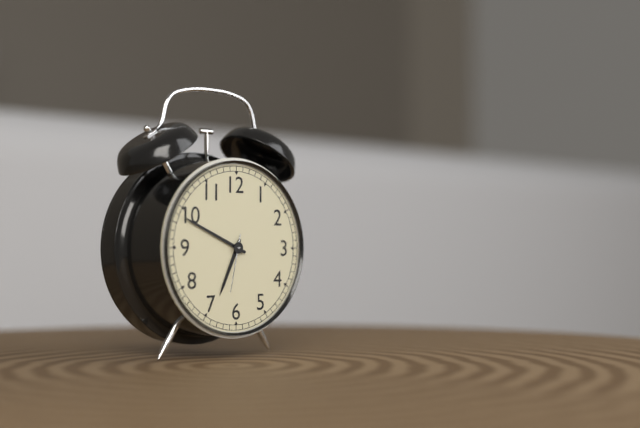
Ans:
6h49m32s
